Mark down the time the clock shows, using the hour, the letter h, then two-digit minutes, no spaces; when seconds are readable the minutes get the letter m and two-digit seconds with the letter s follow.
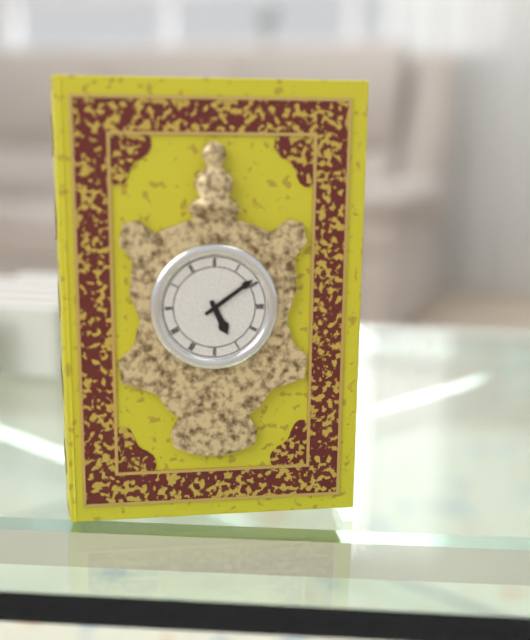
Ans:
5h09
